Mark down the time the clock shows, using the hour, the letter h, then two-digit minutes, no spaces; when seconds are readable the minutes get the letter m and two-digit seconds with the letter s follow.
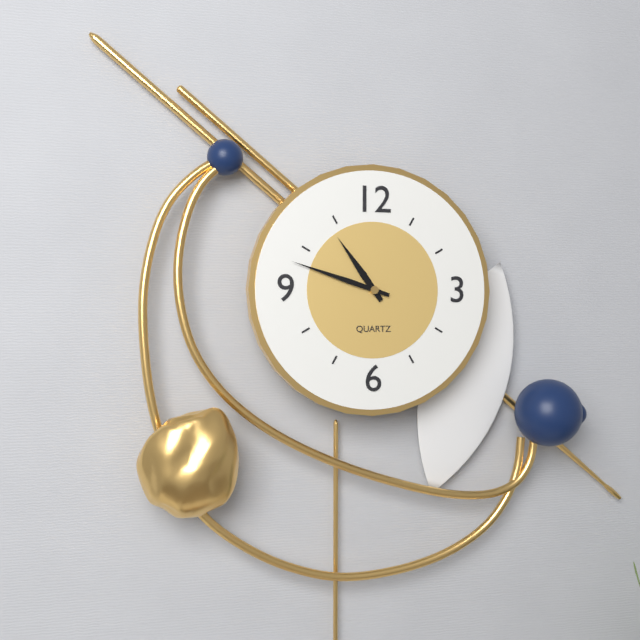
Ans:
10h48
